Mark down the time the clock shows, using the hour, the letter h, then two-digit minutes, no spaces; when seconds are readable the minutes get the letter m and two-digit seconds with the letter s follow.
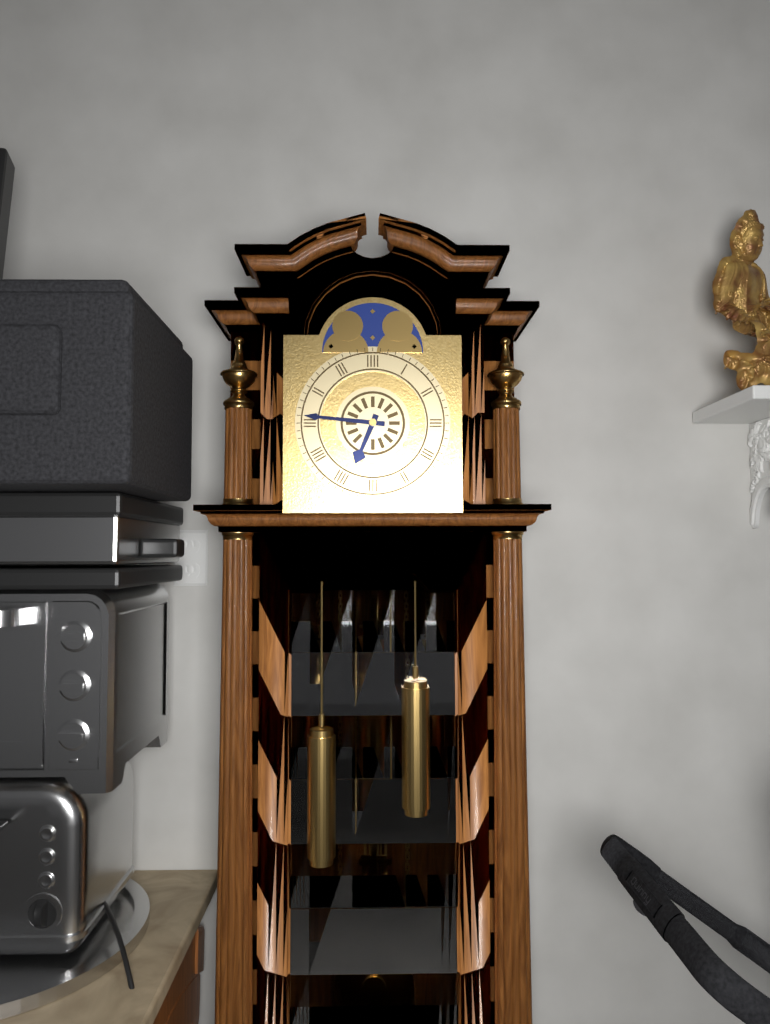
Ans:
6h46
